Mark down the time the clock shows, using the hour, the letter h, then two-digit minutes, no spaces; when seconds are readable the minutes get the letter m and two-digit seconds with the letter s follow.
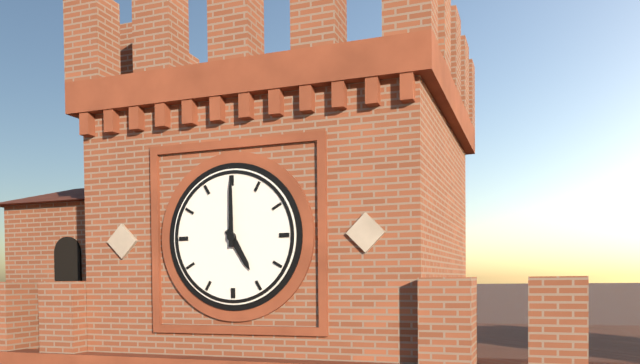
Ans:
5h00
